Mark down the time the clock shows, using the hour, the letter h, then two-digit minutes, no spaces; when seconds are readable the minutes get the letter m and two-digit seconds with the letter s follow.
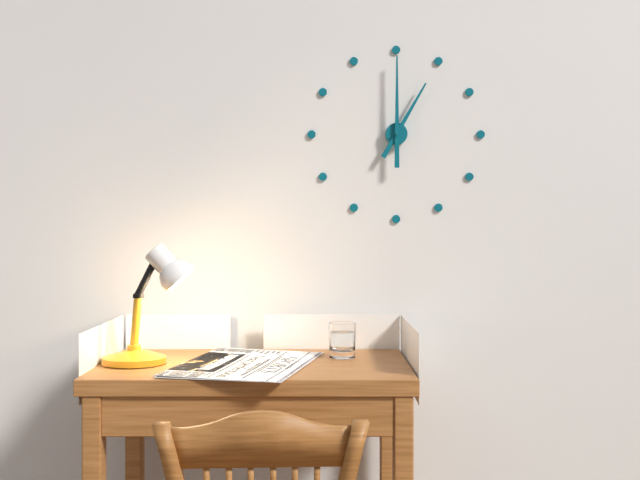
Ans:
1h00
